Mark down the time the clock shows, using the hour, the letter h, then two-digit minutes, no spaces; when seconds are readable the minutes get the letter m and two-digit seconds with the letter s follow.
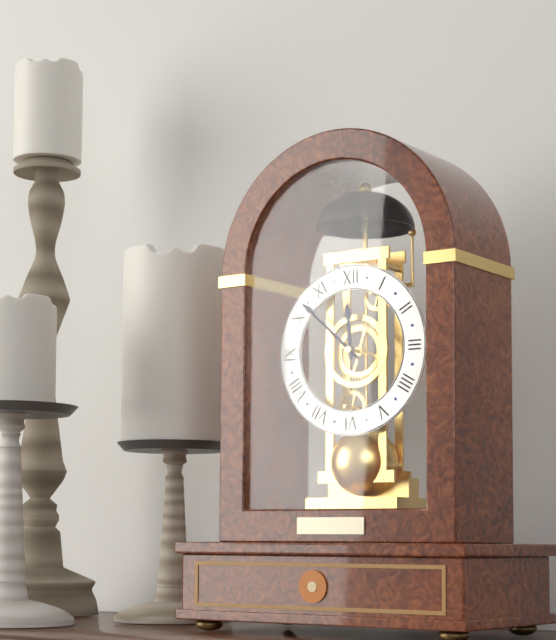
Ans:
11h52
